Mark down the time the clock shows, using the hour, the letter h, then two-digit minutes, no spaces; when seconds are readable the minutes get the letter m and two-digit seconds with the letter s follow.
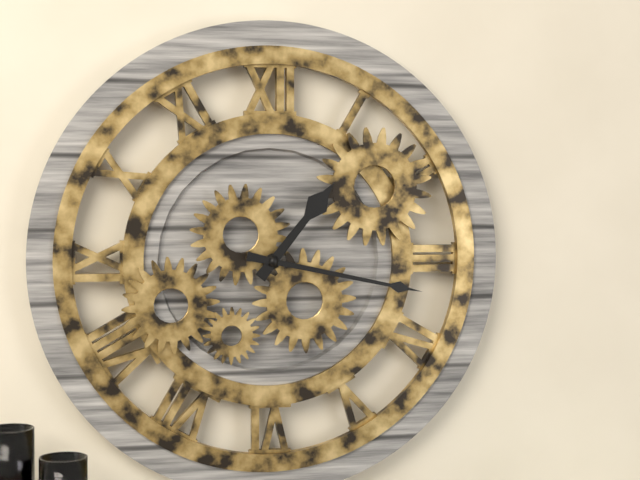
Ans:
1h17
